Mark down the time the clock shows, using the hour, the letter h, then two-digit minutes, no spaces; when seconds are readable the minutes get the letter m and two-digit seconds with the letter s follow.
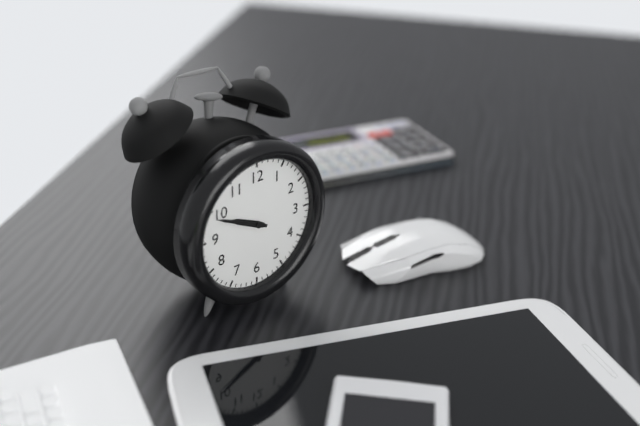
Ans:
9h49
